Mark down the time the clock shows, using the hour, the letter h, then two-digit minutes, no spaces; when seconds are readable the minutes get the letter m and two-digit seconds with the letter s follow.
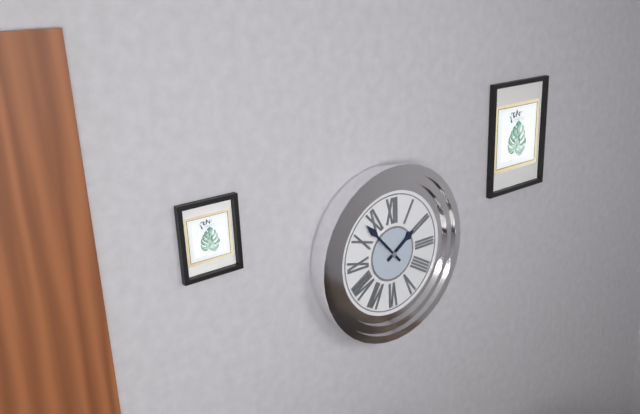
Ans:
1h53
